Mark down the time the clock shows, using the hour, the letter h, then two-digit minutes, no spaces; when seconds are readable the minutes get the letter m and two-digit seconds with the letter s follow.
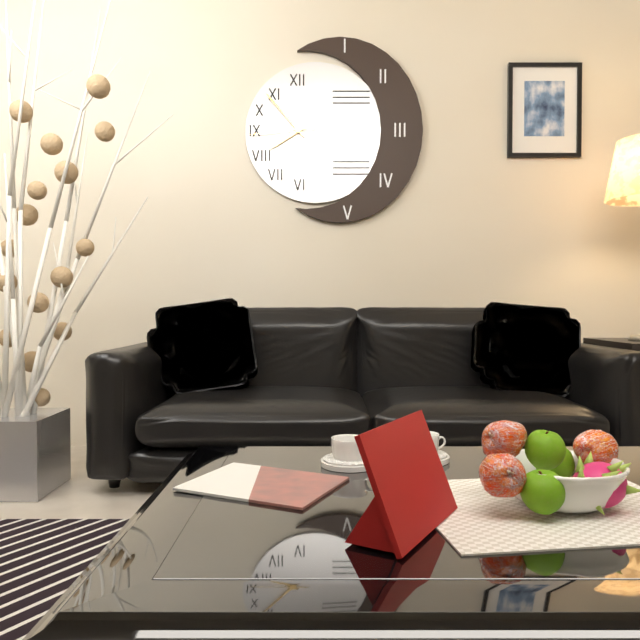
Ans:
7h53m44s
